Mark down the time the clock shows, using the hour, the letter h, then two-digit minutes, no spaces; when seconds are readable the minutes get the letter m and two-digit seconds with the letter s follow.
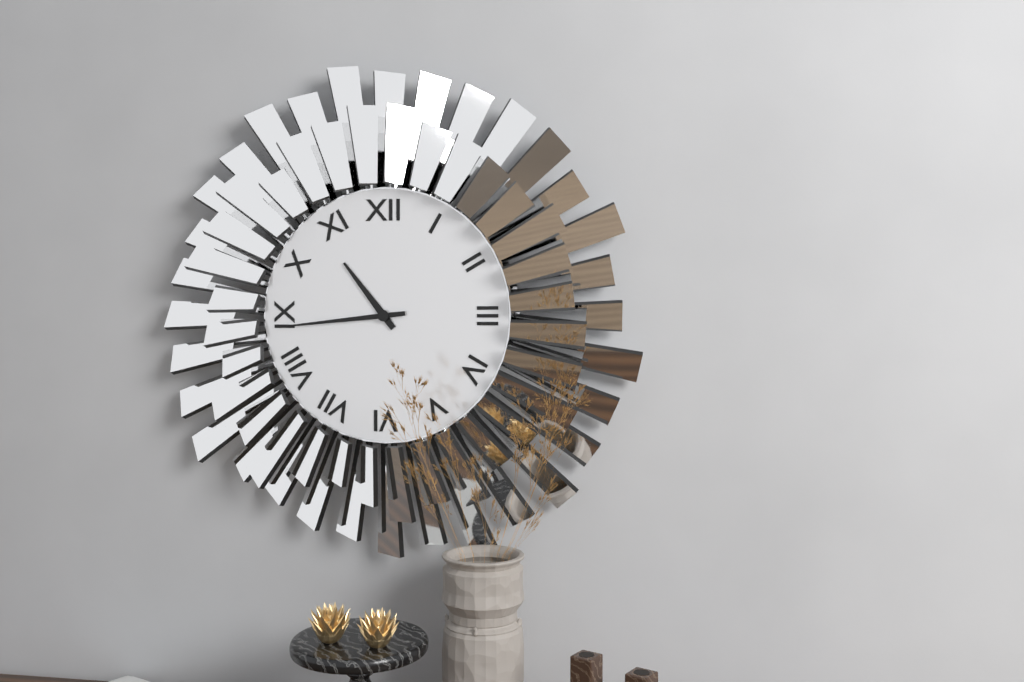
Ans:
10h44
